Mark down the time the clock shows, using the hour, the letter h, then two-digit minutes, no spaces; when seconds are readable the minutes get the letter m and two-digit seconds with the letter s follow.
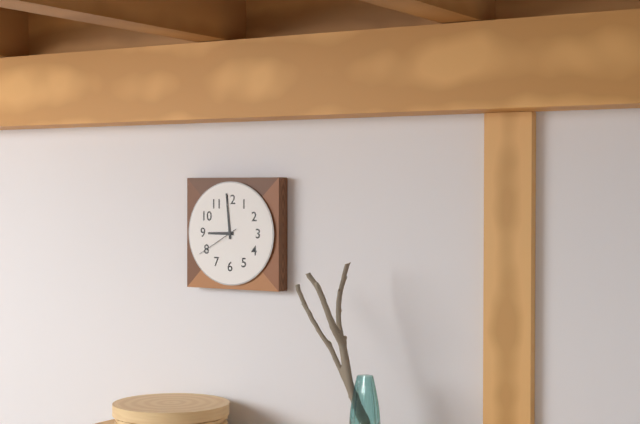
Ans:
8h59
